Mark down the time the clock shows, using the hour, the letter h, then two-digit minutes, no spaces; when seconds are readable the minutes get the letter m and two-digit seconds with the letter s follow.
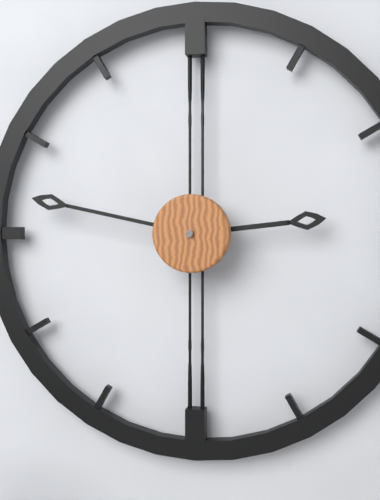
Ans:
2h47
